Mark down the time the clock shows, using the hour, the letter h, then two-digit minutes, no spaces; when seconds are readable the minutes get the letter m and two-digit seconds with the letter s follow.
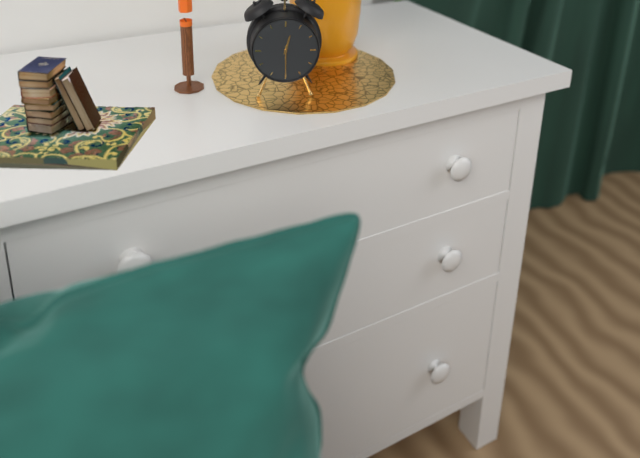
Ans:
12h30
